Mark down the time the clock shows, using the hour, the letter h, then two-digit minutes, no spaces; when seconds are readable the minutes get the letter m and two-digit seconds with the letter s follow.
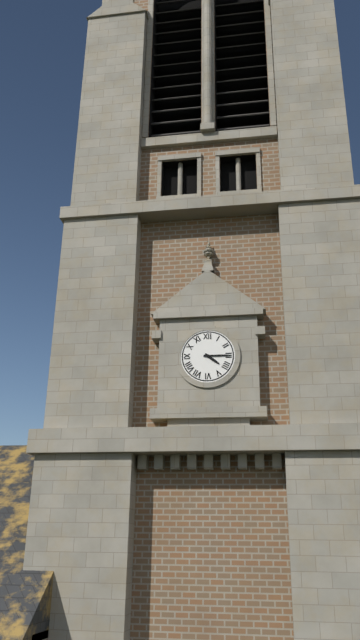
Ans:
4h15
